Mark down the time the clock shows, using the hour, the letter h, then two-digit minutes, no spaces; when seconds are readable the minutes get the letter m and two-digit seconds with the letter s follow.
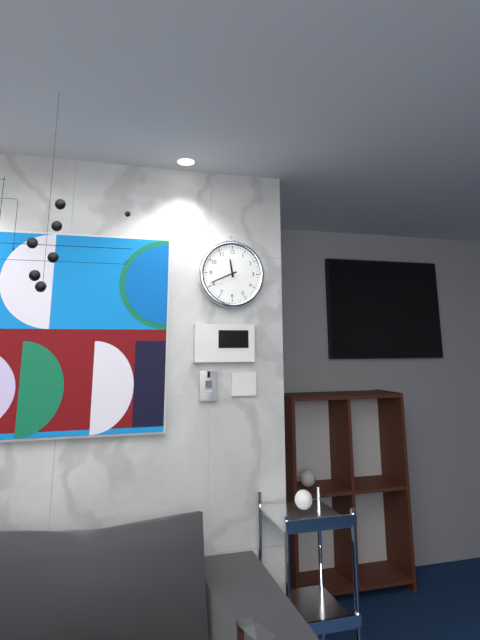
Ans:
11h41
